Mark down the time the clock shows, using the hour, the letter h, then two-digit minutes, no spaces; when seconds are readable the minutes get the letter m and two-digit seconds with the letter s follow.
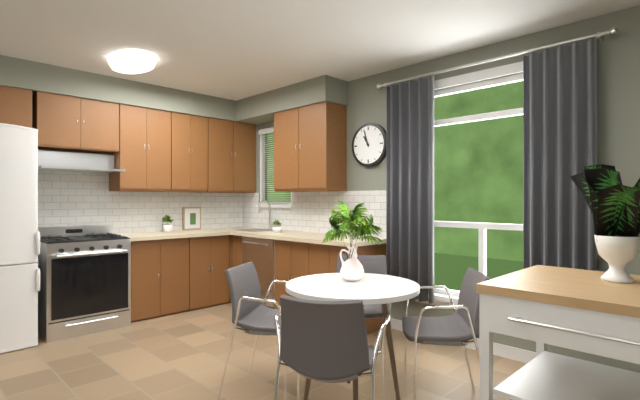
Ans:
10h57
